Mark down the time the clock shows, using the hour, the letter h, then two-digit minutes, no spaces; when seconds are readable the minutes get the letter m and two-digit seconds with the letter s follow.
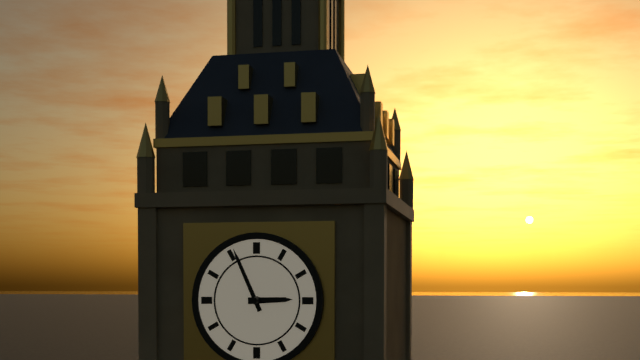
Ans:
2h56
